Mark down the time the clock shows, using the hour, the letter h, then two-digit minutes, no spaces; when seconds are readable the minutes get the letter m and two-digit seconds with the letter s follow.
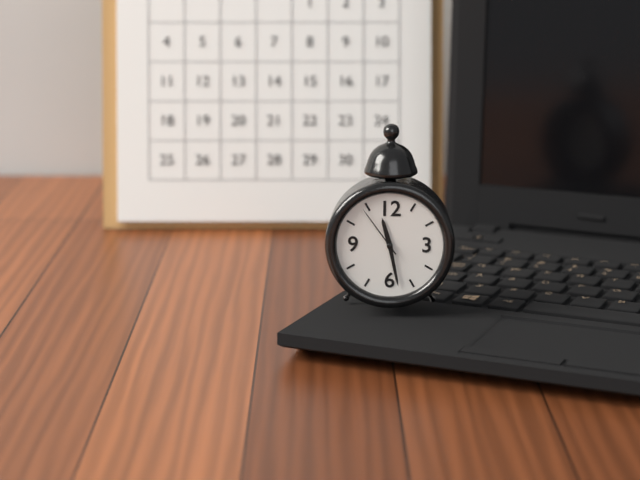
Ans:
11h28m54s
